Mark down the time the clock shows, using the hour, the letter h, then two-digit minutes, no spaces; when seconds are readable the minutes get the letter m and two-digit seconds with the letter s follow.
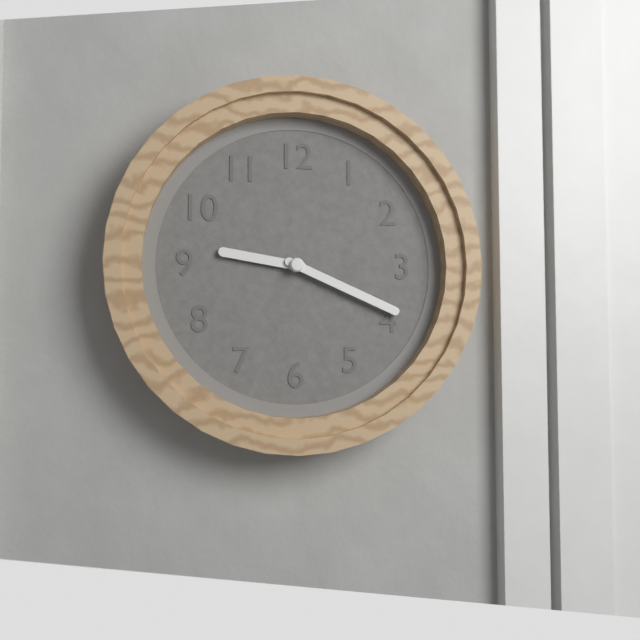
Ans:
9h19
